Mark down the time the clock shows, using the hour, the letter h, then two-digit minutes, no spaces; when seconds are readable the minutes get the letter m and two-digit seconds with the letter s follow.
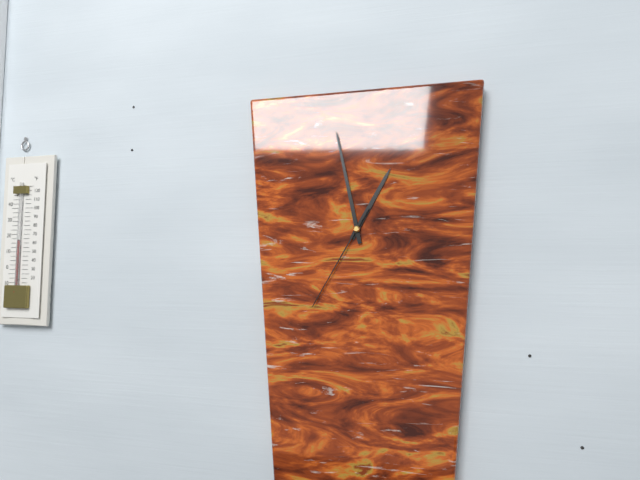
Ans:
12h58m35s
